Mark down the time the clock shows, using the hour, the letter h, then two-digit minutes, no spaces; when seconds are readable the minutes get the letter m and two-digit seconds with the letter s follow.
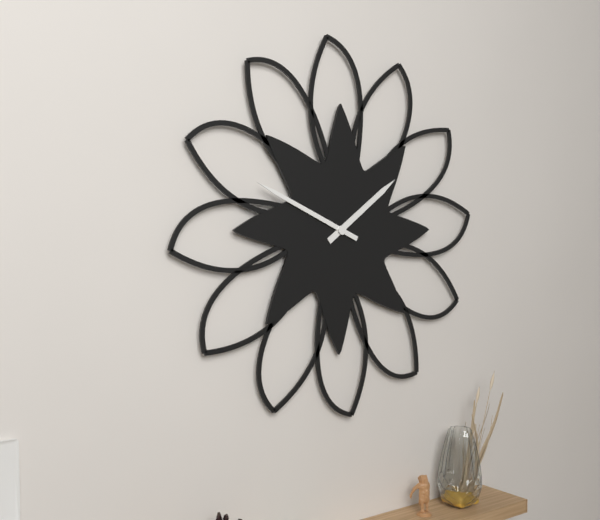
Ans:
1h49
